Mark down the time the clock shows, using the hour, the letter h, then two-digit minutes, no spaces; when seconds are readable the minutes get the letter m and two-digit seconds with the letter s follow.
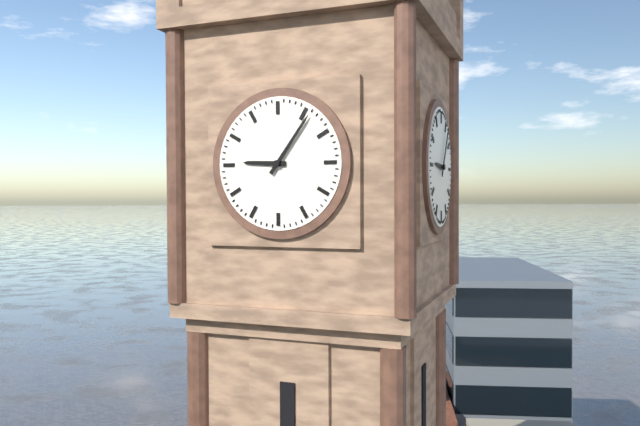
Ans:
9h06
